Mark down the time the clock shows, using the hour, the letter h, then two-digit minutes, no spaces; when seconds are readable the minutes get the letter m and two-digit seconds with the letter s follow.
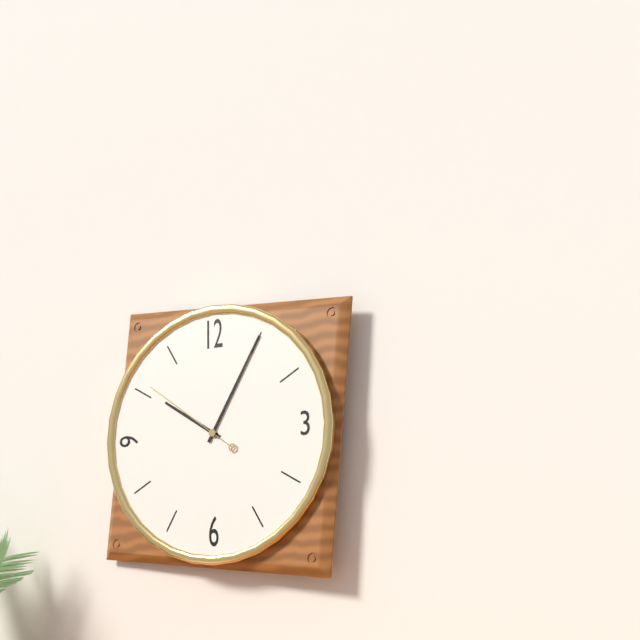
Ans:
10h05m51s
